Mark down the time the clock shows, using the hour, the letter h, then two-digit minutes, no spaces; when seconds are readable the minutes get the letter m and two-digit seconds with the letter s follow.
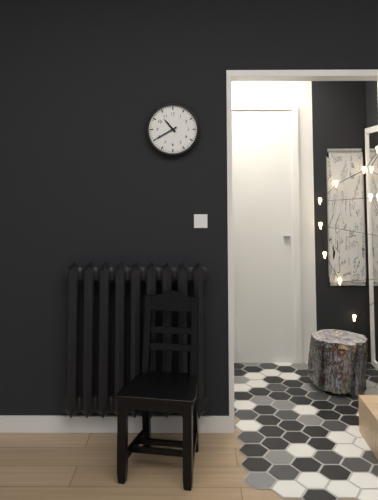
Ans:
10h40
